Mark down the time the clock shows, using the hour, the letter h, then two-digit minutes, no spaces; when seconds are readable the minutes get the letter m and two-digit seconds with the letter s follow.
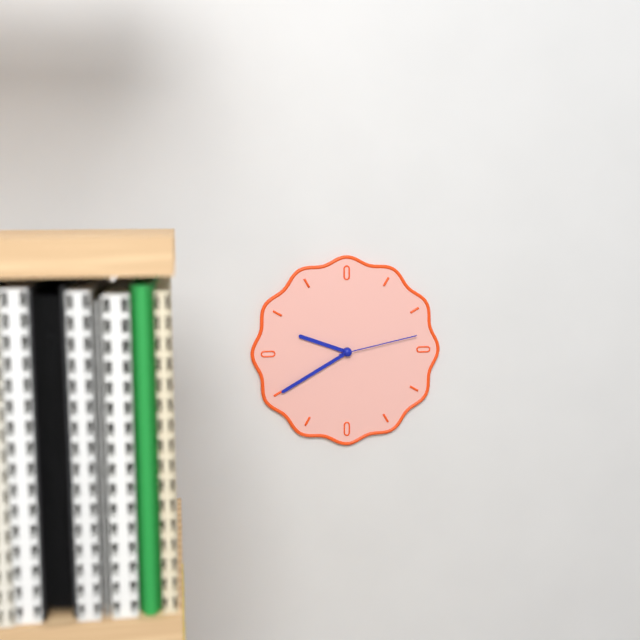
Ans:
9h40m13s
